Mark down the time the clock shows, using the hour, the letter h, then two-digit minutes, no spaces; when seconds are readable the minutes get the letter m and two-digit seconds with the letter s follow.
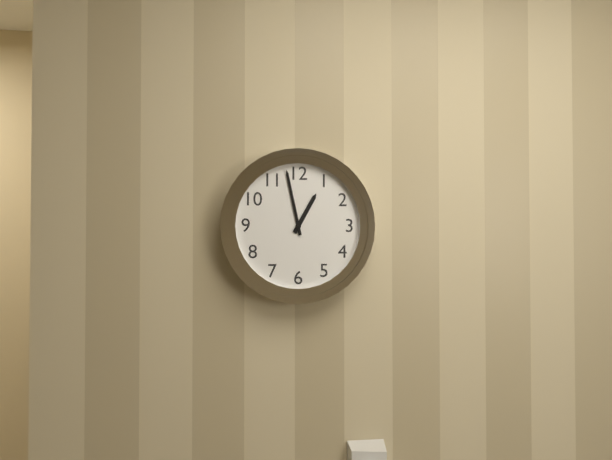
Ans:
12h58
